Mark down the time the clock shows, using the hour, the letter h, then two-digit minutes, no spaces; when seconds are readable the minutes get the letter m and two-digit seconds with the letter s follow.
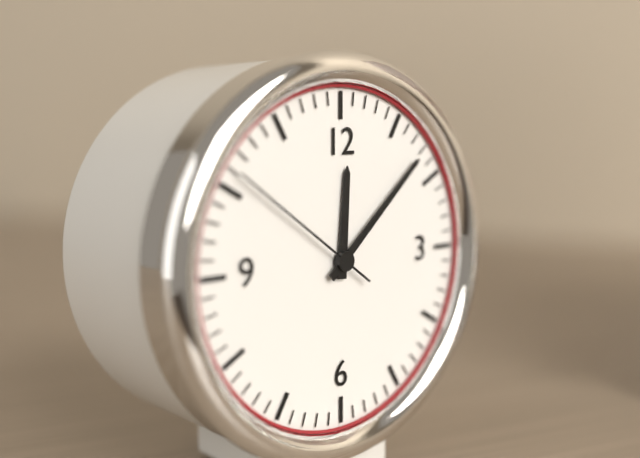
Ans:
12h08m51s
